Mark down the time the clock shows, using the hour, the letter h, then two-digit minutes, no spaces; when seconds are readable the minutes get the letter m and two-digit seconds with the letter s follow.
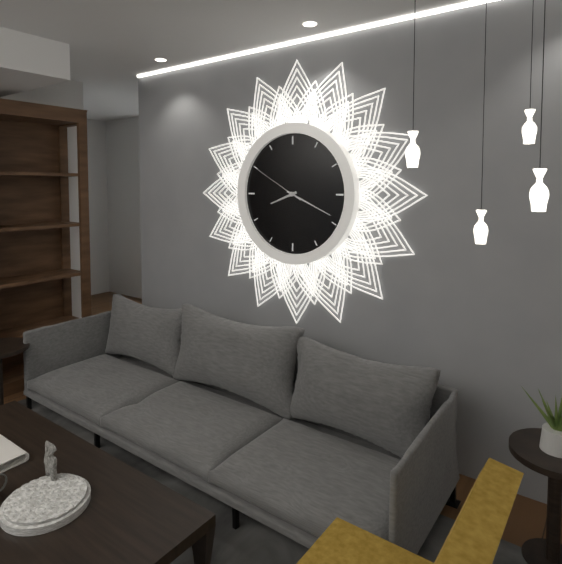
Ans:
8h19m50s
